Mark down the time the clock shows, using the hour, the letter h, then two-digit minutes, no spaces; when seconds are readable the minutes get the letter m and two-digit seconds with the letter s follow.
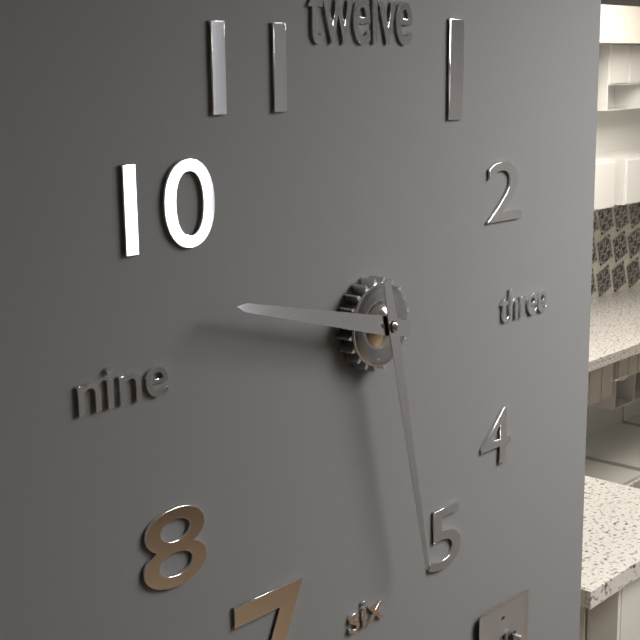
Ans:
9h28
